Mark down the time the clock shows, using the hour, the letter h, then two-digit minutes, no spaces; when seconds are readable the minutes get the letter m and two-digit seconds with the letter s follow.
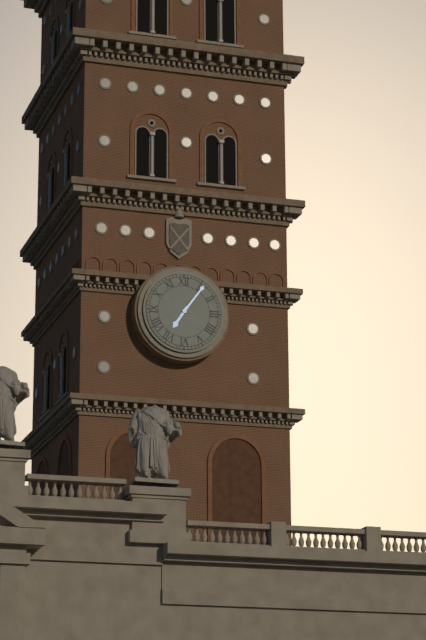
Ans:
7h06
